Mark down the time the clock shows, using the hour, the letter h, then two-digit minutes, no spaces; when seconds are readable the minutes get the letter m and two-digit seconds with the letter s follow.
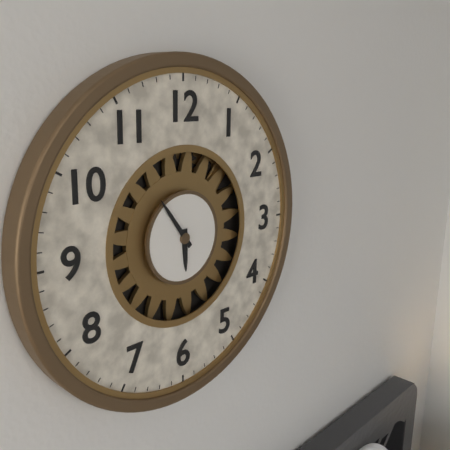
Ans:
5h54
